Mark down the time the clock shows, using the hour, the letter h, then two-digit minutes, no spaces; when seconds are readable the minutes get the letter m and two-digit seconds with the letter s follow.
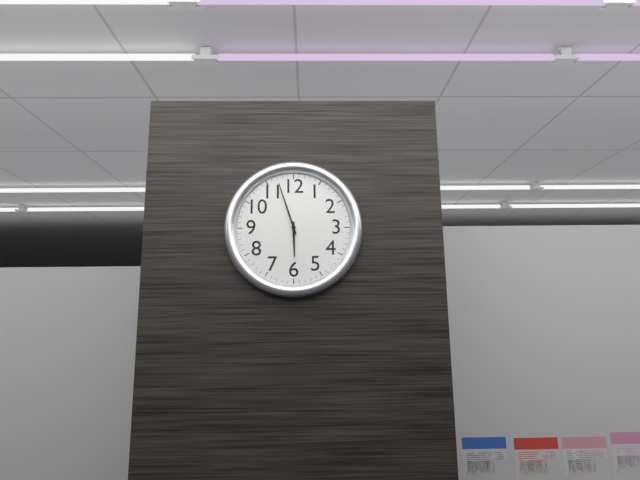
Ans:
5h57
